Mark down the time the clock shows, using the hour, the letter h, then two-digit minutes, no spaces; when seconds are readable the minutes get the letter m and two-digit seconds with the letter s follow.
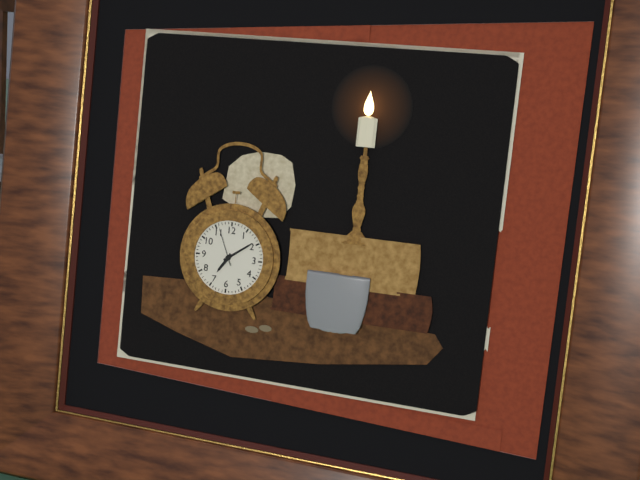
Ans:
7h09
